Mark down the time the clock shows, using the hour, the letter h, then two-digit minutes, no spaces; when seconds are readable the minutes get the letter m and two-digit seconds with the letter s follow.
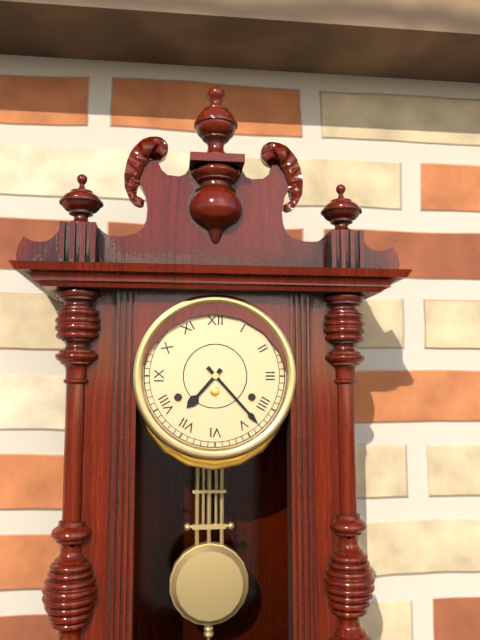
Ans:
7h23
